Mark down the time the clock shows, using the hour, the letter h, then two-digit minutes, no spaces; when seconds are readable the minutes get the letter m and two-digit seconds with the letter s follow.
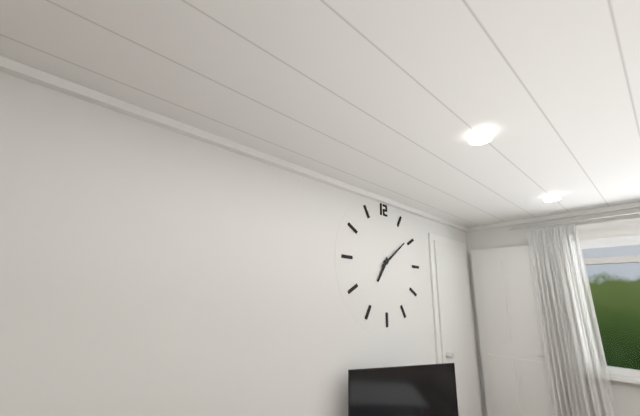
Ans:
7h09
